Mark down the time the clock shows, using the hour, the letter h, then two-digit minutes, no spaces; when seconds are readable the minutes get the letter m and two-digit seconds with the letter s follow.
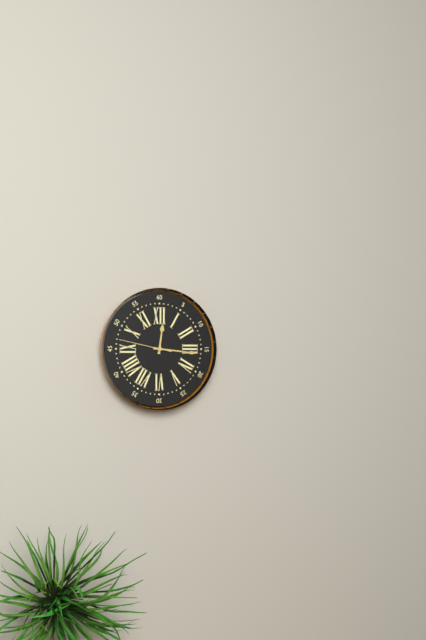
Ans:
12h16m47s
